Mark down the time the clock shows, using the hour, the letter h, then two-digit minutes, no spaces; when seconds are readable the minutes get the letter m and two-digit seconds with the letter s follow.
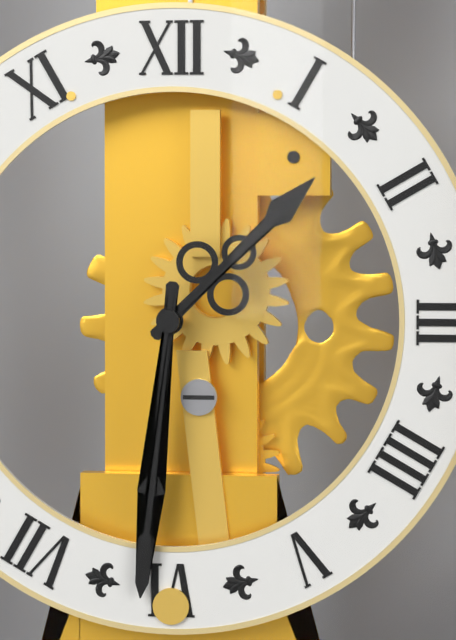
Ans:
1h31
